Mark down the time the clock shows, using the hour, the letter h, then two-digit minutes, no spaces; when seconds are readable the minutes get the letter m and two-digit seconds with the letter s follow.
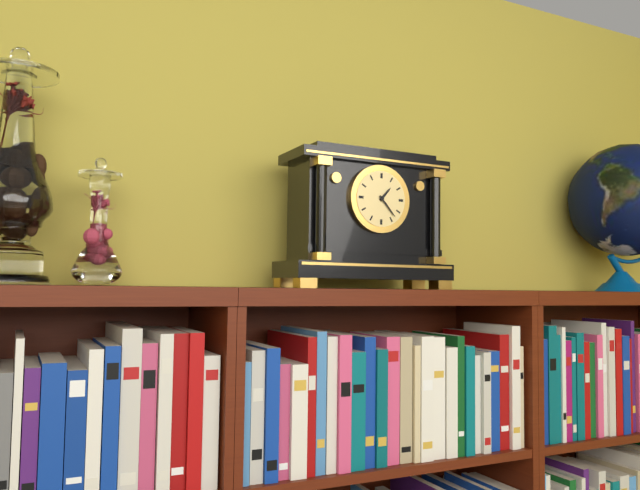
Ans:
1h23
